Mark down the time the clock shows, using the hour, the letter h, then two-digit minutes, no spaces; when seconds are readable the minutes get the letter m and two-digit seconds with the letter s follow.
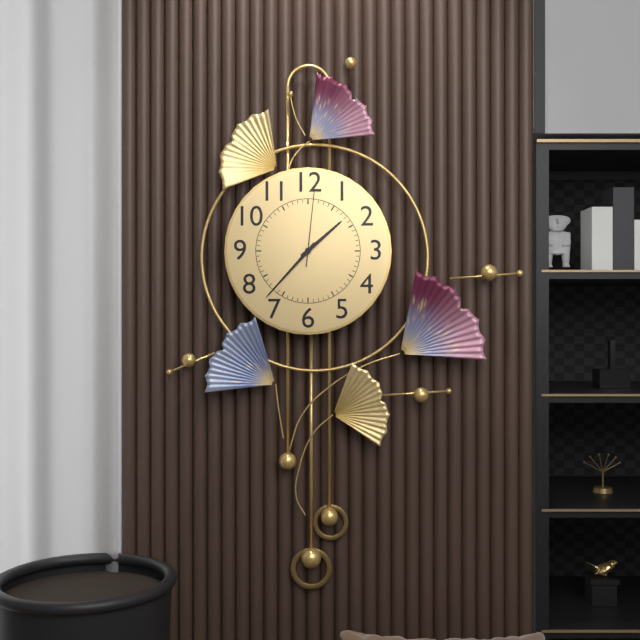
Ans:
1h37m01s
